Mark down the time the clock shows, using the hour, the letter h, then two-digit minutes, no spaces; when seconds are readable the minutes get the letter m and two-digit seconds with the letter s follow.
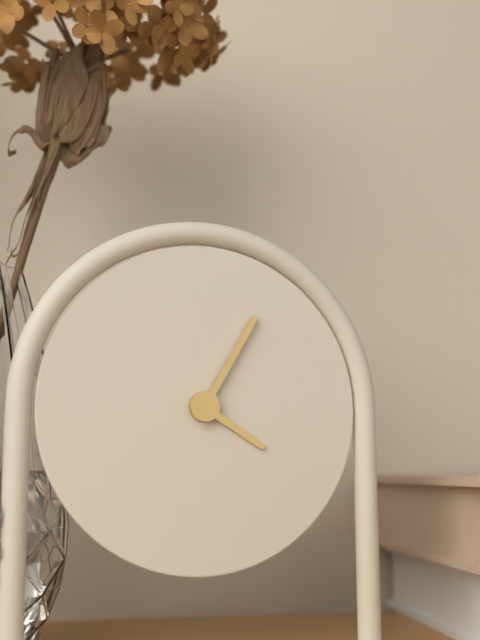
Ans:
4h05
